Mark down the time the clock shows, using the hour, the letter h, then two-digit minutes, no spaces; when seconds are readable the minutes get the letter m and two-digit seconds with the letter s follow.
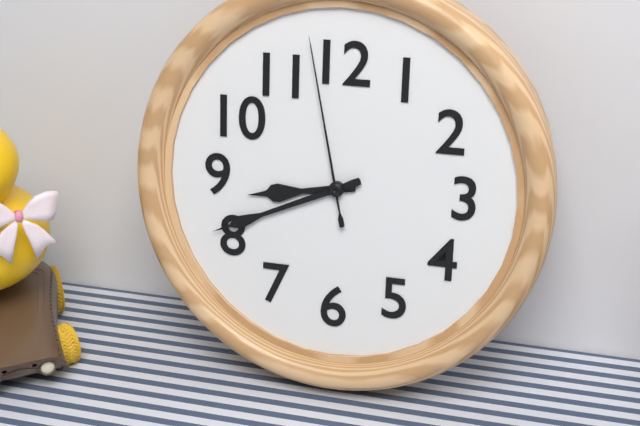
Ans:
8h41m58s
